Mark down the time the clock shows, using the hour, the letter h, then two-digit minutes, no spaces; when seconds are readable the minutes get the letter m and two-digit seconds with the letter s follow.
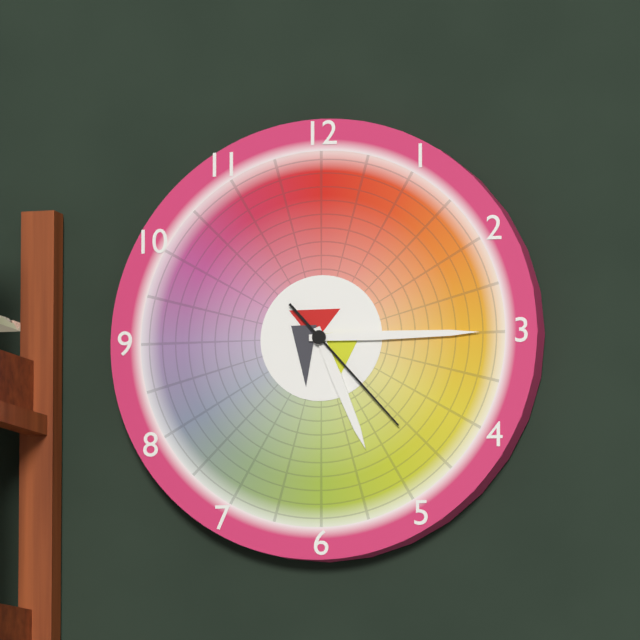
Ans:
5h15m23s
